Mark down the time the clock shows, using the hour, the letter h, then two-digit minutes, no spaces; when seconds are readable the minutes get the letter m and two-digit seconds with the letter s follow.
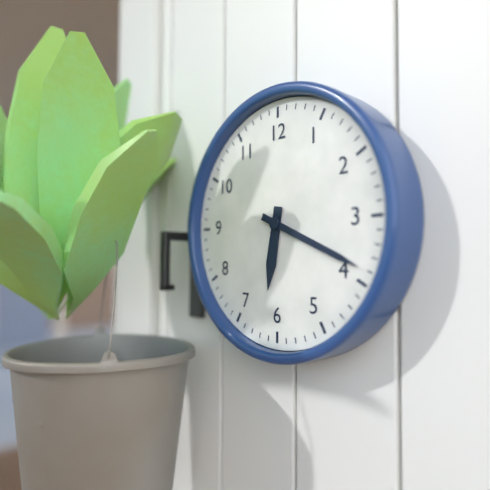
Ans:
6h19
